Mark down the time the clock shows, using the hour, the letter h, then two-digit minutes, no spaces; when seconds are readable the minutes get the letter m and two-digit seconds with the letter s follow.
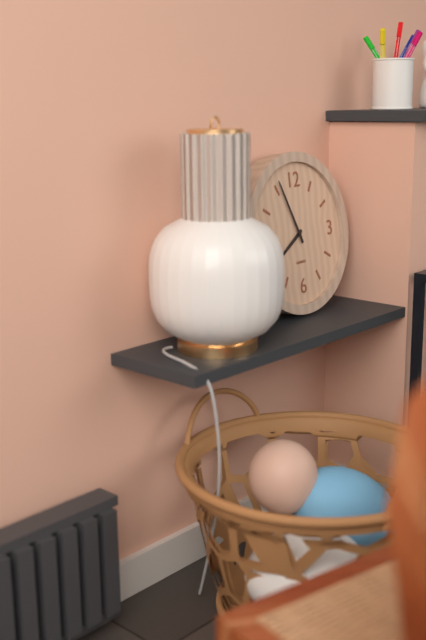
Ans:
7h56
